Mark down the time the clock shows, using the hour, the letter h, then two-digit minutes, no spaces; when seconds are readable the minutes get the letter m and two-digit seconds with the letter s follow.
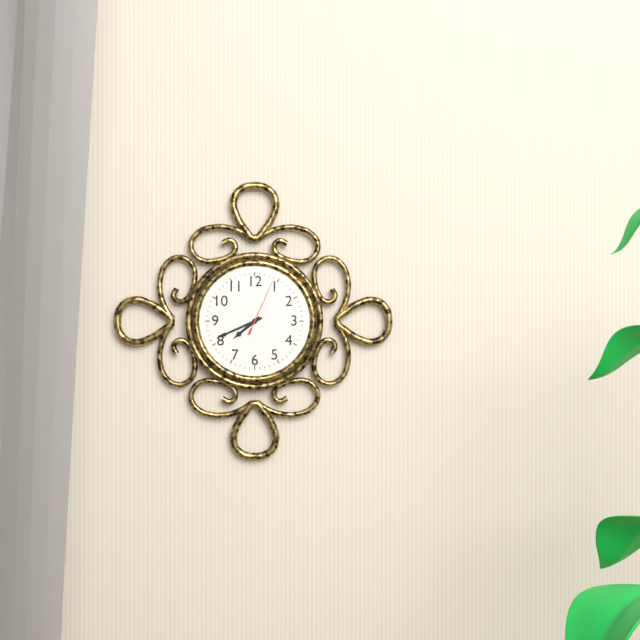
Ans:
7h41m04s
